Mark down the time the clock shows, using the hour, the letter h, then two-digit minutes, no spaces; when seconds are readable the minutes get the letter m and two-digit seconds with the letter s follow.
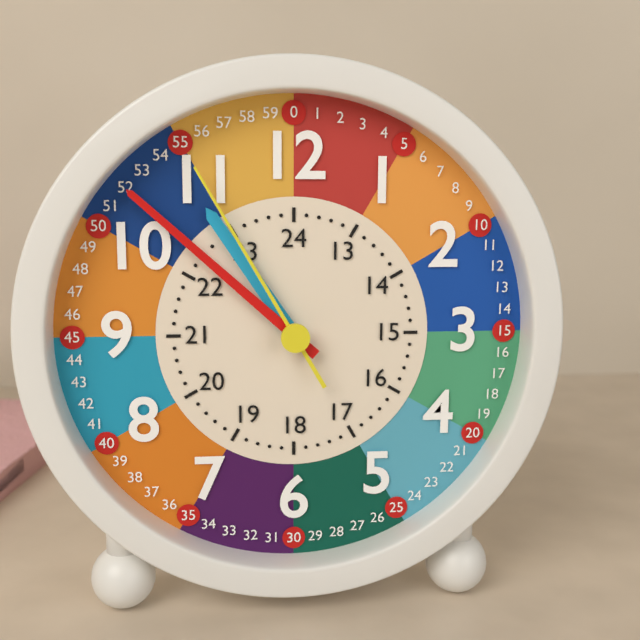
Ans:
10h52m55s
